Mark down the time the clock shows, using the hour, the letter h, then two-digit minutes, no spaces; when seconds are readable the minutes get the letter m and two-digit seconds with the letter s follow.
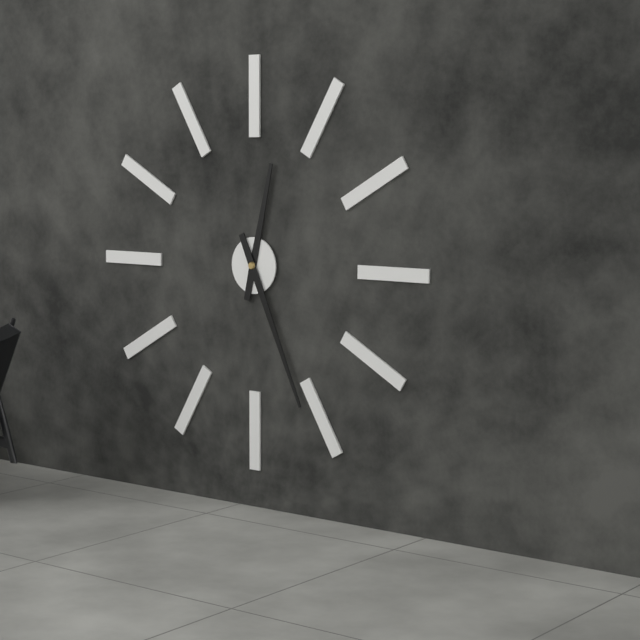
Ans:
12h26
